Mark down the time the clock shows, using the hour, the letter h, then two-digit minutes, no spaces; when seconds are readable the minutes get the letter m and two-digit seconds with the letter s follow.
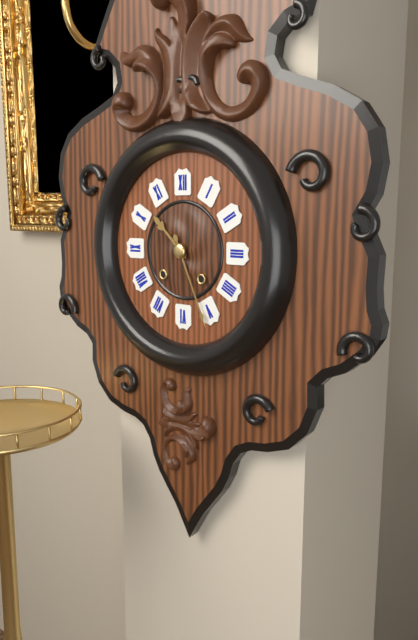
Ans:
10h26
